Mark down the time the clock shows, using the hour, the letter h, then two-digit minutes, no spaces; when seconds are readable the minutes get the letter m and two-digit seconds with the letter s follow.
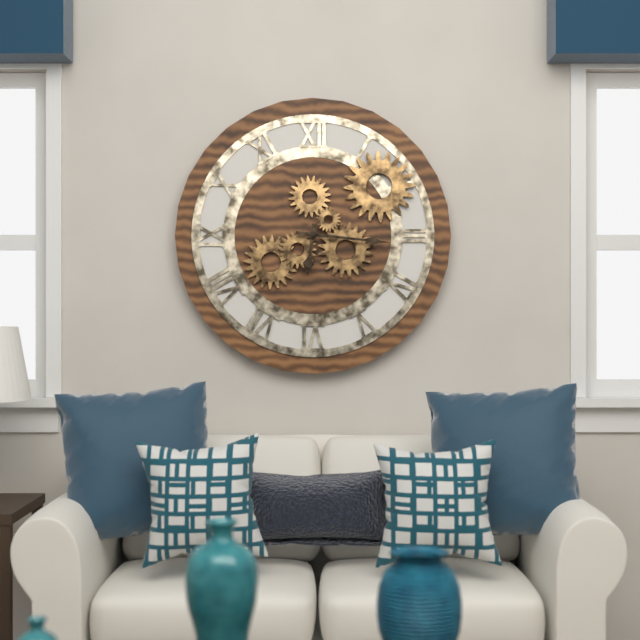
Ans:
6h16
